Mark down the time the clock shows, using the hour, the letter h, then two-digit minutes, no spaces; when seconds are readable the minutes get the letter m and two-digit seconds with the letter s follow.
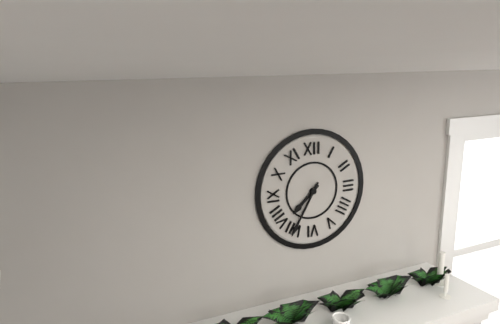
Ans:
7h35
